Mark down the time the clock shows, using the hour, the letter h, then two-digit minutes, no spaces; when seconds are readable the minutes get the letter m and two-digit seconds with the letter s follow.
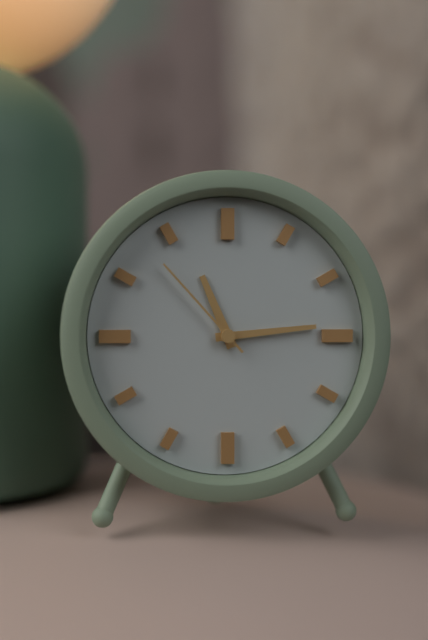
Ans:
11h14m53s
